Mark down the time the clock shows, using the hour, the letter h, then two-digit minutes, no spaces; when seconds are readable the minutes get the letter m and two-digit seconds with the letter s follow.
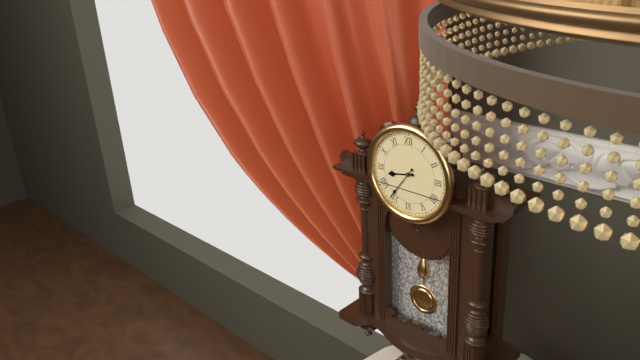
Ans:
8h36
